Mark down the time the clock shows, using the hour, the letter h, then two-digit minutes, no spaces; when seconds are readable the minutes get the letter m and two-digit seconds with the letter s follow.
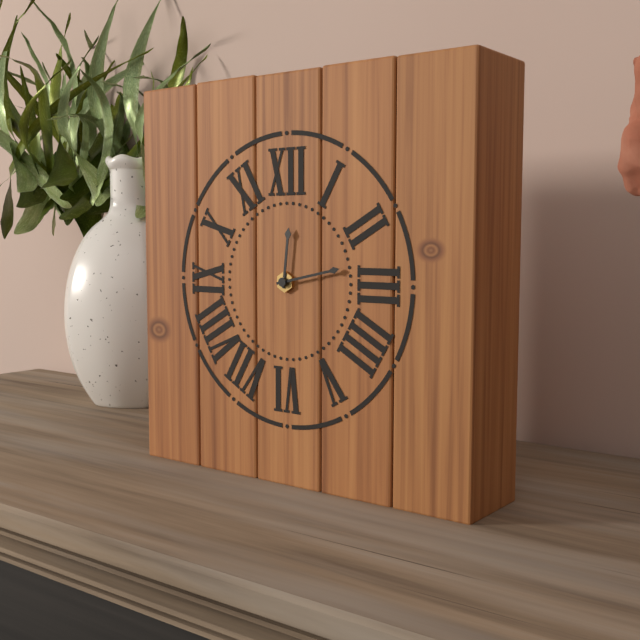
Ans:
12h13
